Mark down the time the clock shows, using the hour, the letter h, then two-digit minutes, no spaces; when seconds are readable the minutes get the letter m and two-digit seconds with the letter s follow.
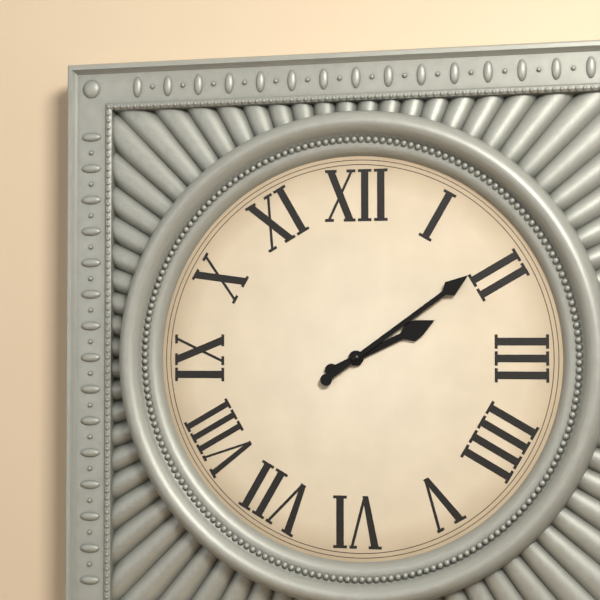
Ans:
2h09
